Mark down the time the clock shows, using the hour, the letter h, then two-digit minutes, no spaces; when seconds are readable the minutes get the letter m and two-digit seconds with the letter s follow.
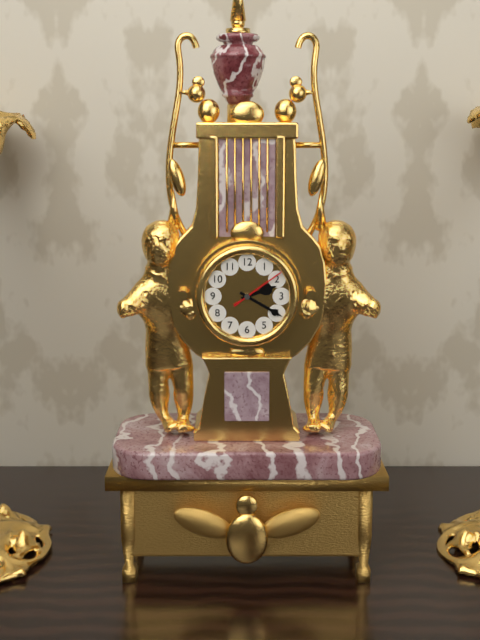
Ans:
2h20m09s
